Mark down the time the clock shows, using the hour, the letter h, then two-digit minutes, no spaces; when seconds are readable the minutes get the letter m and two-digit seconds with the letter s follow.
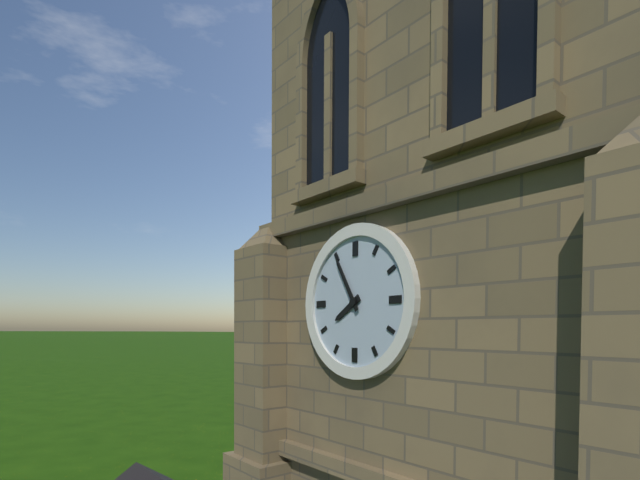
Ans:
7h55
